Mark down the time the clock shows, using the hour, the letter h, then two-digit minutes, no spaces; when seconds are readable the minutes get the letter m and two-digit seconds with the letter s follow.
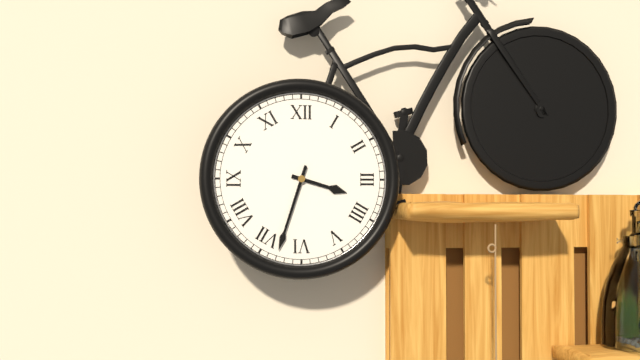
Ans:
3h33
